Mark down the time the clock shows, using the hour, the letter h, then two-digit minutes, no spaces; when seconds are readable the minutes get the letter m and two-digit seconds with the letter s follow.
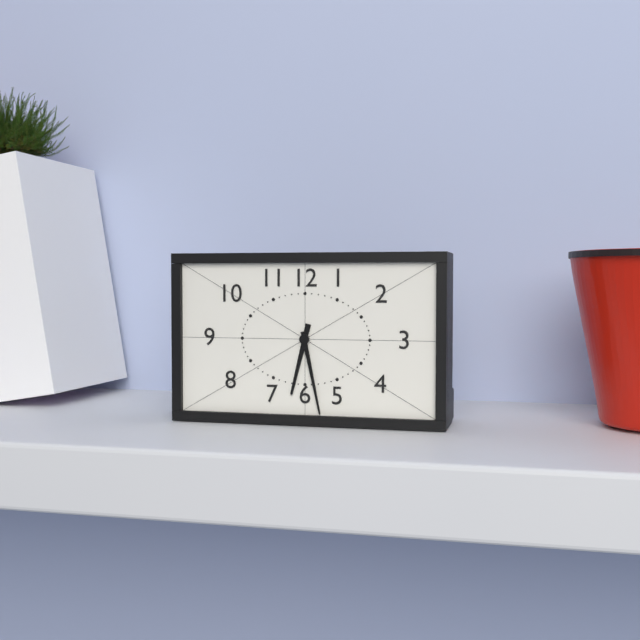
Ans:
6h28
